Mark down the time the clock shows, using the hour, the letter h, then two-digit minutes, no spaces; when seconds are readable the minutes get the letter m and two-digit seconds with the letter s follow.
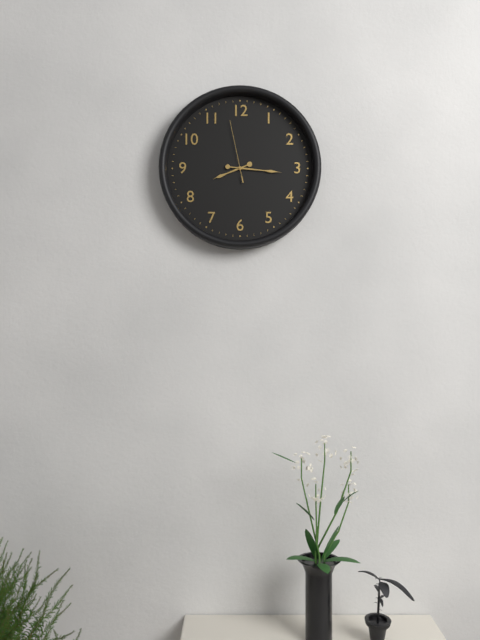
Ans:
8h16m58s
